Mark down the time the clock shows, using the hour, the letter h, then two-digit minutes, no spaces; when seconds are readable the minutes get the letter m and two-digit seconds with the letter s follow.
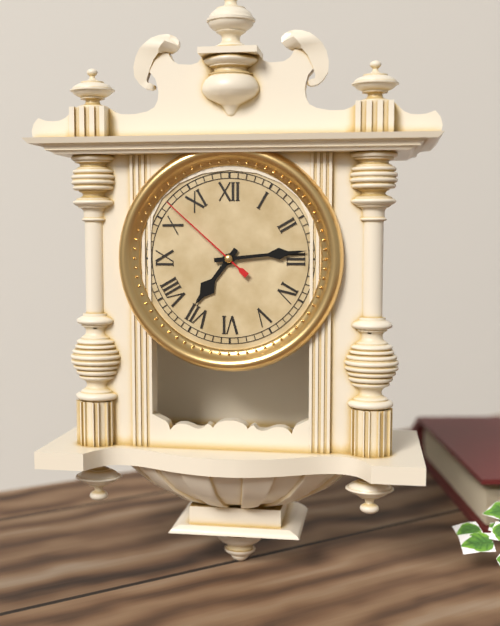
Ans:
7h14m52s
